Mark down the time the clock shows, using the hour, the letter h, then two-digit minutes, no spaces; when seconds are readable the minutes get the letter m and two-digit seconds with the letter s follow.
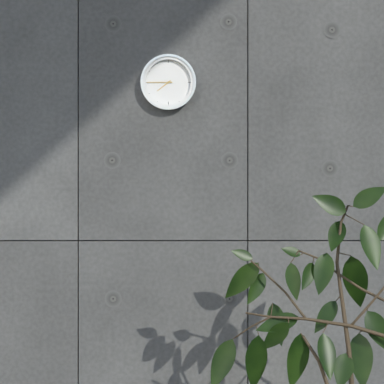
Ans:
7h45
